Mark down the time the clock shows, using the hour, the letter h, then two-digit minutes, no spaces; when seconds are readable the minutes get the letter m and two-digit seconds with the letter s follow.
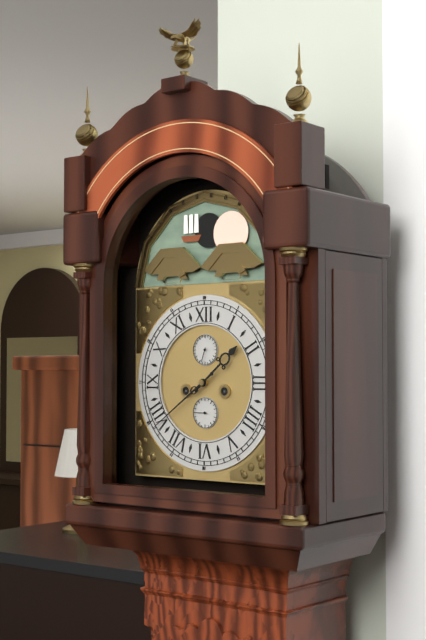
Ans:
1h39
